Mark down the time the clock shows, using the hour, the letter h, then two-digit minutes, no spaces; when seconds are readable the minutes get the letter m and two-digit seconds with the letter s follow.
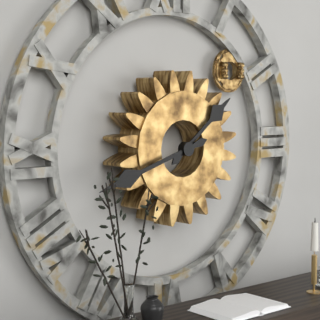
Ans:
1h42
